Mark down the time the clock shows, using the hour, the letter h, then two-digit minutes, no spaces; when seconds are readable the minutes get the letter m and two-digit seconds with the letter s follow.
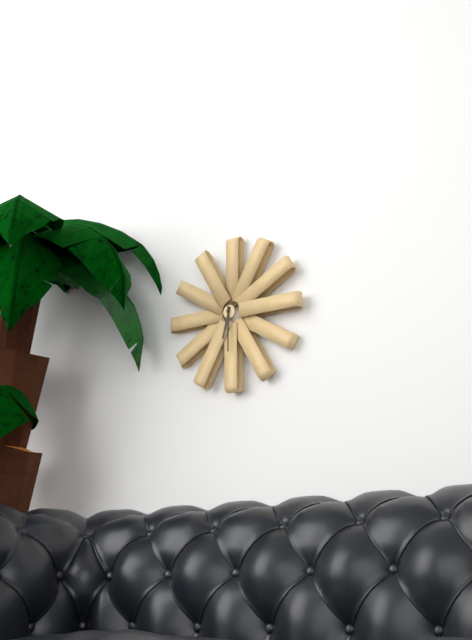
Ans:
6h30
